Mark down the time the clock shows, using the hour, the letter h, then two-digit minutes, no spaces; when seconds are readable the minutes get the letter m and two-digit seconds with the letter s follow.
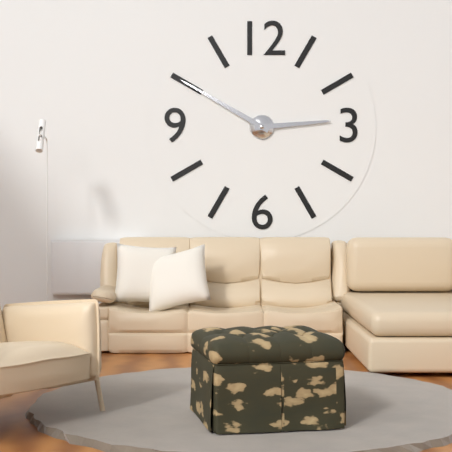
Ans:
2h50
